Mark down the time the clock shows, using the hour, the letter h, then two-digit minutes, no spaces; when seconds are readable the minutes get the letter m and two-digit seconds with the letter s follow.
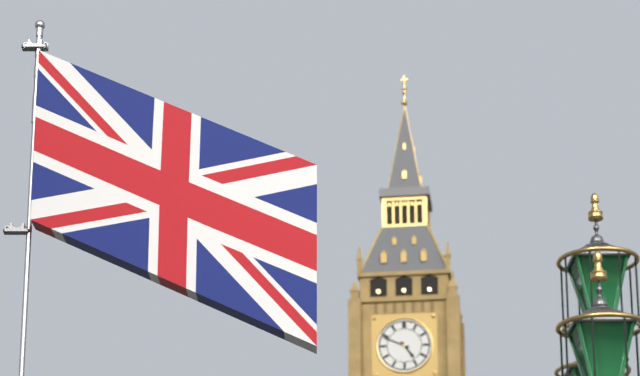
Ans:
4h49
